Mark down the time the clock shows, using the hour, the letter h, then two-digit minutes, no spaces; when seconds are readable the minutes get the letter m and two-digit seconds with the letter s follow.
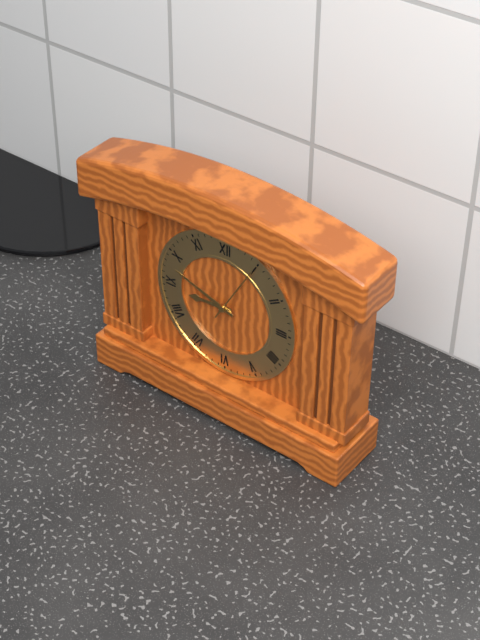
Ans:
8h48m05s
